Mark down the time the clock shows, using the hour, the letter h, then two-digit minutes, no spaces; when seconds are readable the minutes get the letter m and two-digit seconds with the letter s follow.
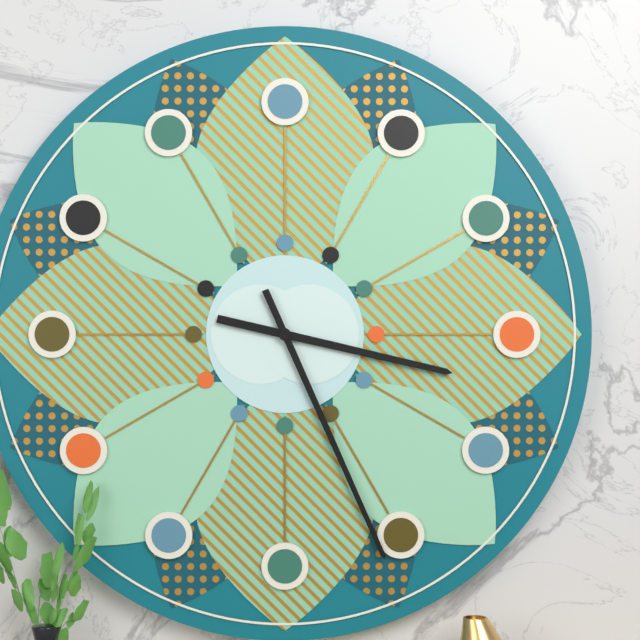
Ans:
3h26
